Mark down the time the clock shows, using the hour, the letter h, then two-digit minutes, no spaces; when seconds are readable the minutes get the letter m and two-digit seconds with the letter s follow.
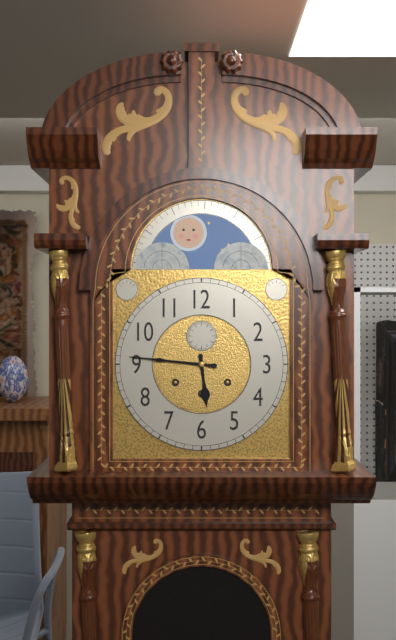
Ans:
5h46
